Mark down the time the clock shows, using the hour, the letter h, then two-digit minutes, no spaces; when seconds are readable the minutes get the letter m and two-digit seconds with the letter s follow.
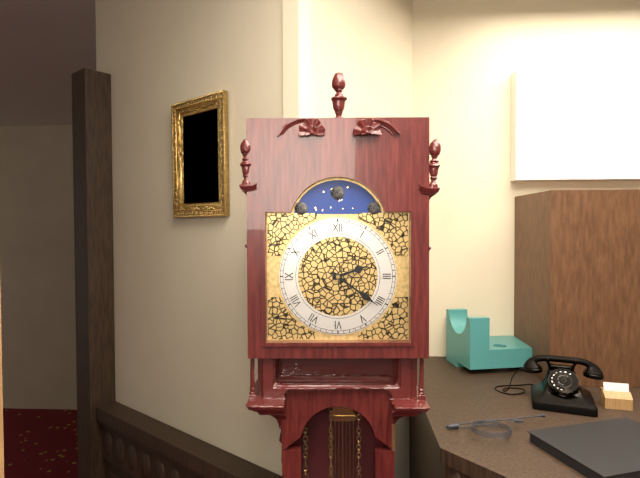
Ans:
2h21
